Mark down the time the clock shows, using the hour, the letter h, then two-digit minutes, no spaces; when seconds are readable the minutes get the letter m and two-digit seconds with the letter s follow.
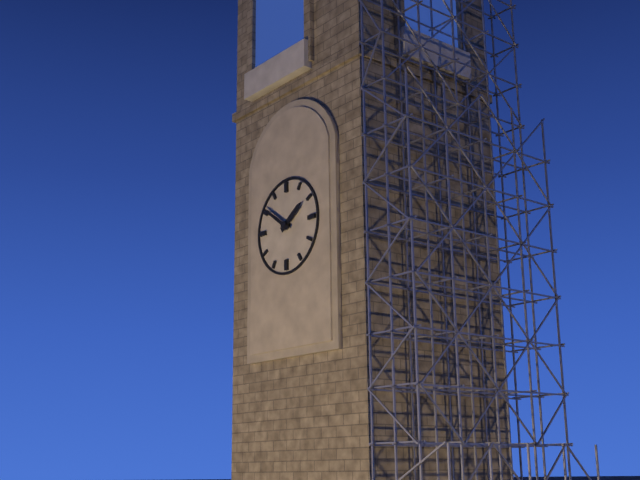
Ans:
1h51
